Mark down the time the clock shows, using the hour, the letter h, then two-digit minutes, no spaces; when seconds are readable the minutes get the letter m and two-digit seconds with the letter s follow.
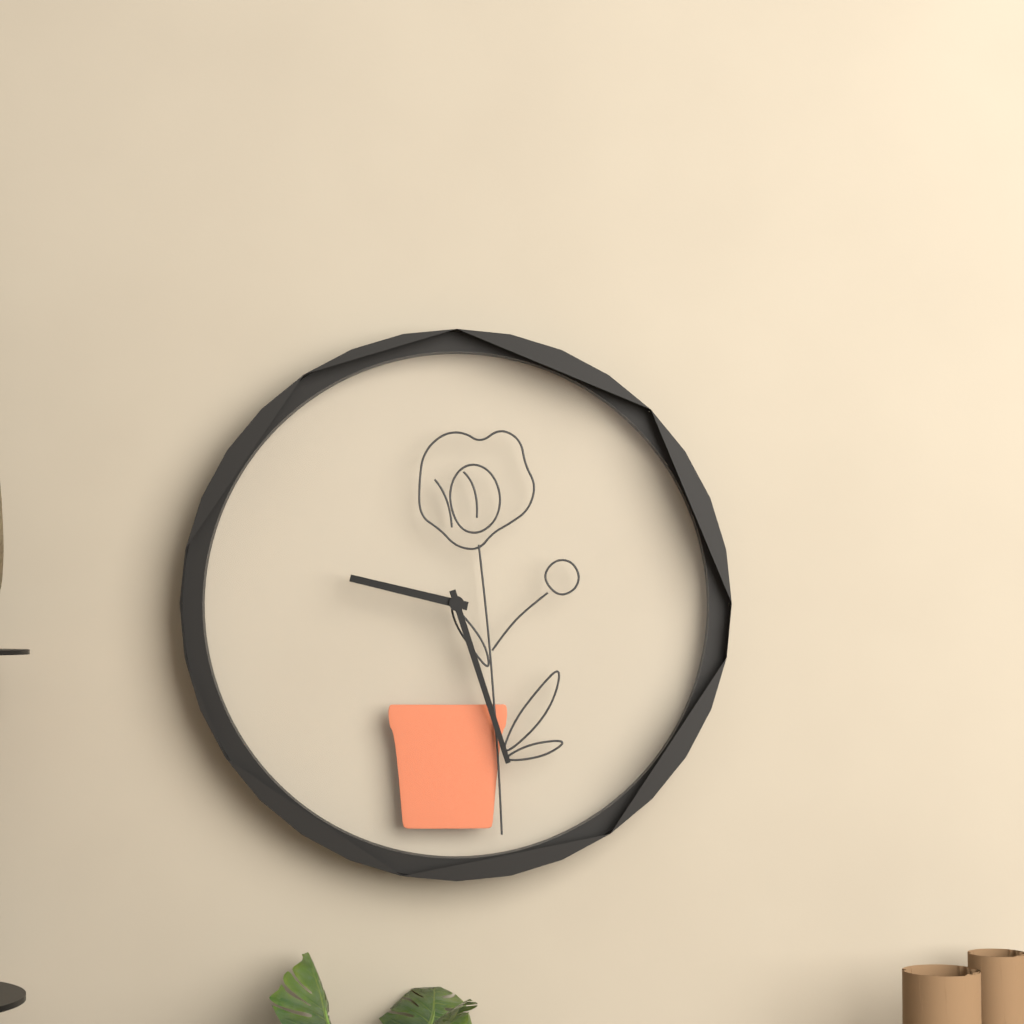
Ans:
9h27
